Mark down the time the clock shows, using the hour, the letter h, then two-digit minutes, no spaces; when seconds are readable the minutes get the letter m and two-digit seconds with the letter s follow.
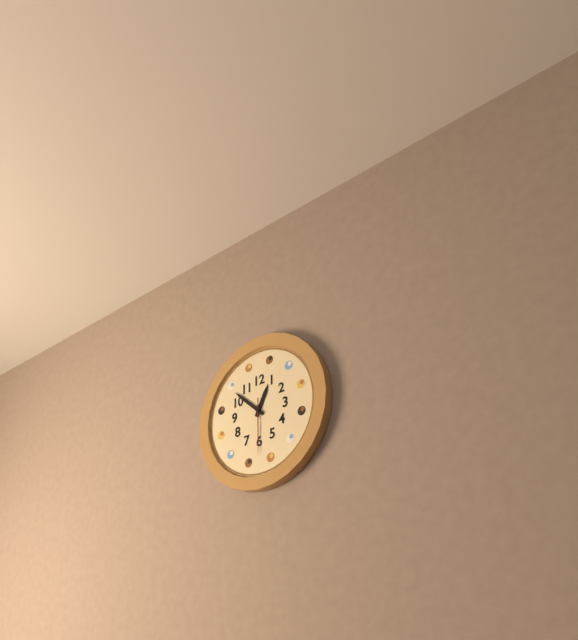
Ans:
12h52m30s
